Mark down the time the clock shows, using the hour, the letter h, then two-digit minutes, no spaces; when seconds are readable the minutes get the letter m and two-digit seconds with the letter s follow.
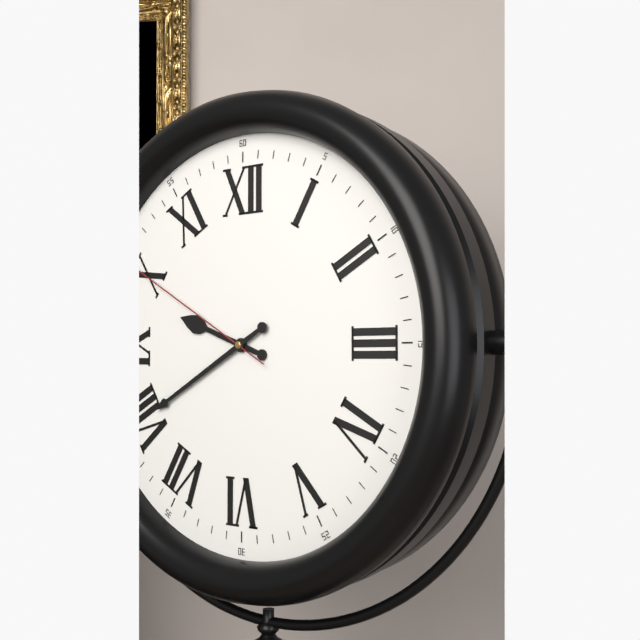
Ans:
9h40m50s
